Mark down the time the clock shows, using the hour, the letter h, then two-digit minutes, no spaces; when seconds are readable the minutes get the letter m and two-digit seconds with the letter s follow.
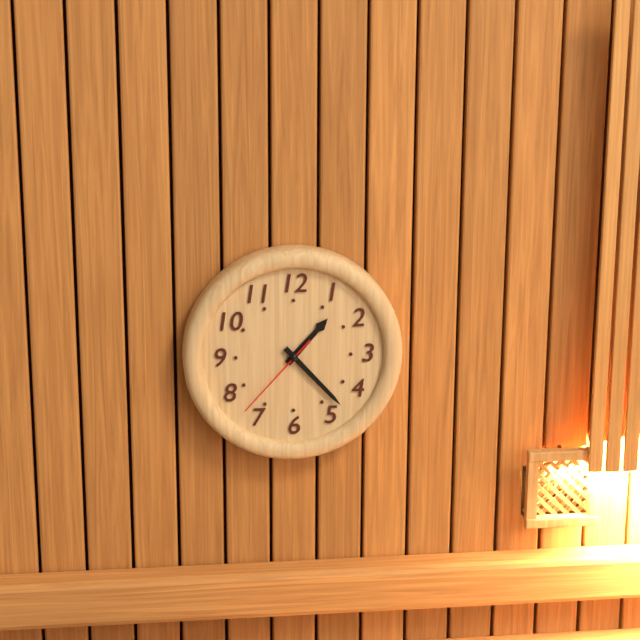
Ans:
1h23m37s
